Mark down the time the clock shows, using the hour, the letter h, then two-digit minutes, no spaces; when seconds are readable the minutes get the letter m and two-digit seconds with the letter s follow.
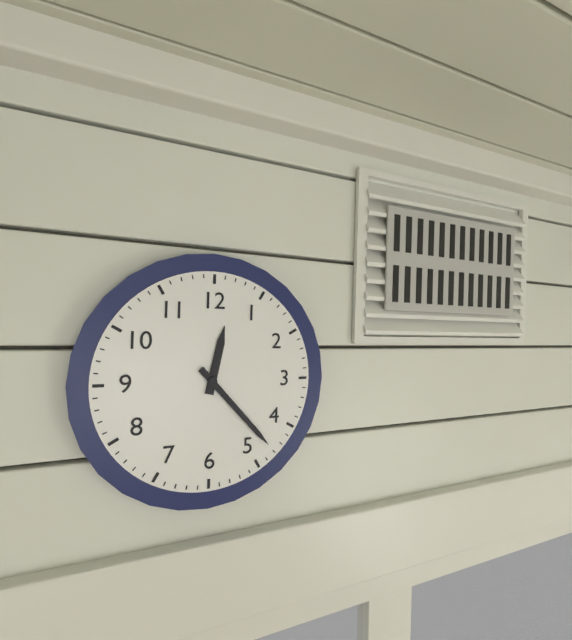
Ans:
12h23
